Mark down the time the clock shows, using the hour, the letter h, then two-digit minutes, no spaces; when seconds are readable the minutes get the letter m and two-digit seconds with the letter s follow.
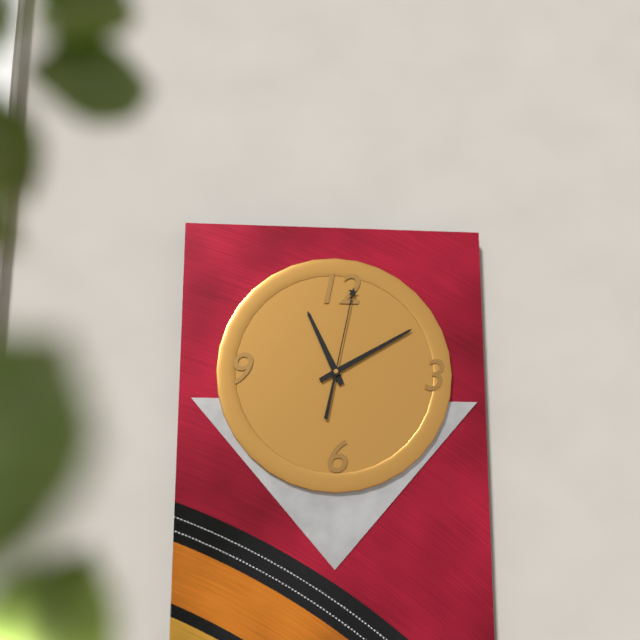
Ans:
11h10m02s
